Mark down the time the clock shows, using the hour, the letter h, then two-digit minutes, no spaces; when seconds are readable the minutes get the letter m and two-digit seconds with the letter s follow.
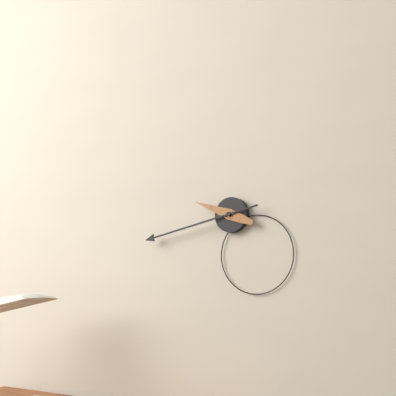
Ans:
9h43
